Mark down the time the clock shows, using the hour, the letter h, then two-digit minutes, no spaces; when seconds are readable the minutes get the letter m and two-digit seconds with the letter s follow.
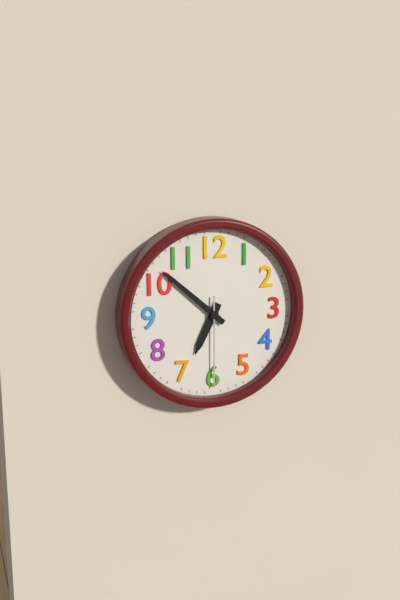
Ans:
6h52m30s
